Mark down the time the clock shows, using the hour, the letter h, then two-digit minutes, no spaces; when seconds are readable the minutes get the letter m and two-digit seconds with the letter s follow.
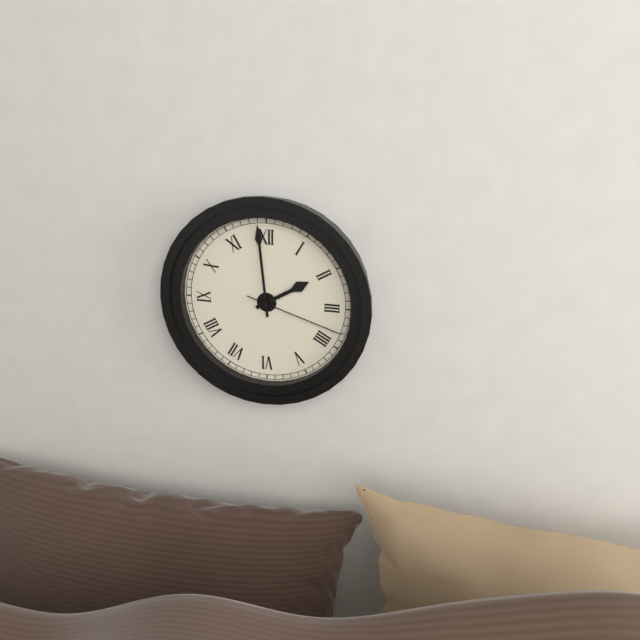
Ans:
1h59m18s
